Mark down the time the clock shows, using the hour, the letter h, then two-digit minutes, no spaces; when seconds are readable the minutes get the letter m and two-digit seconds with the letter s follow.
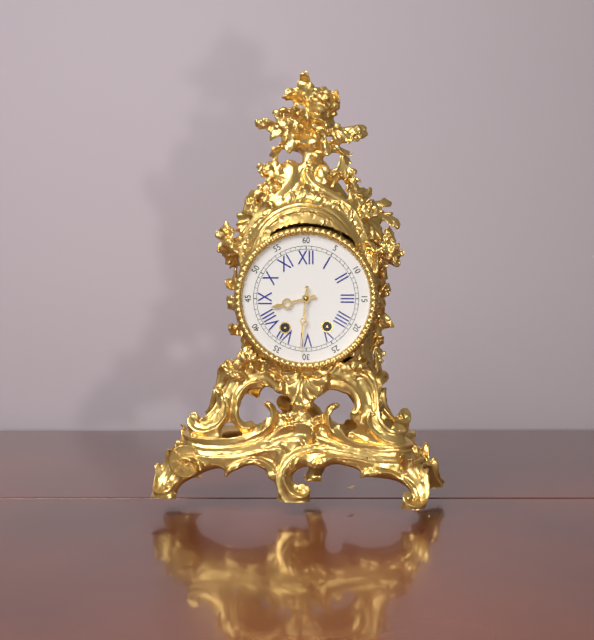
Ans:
8h31
